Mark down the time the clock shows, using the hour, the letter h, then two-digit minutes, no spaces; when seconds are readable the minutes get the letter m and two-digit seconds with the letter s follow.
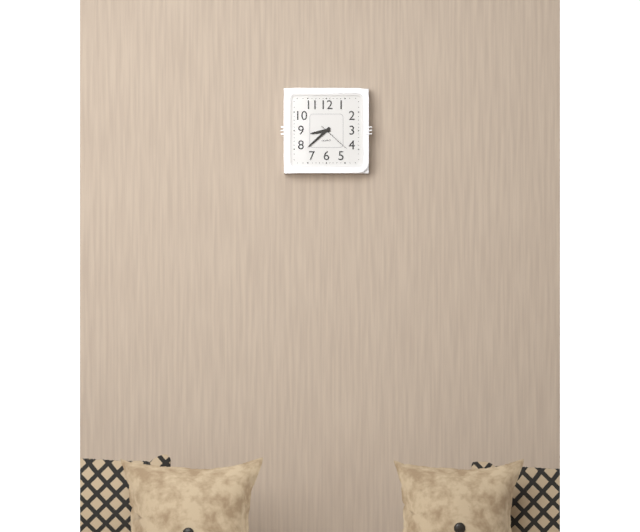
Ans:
8h38
